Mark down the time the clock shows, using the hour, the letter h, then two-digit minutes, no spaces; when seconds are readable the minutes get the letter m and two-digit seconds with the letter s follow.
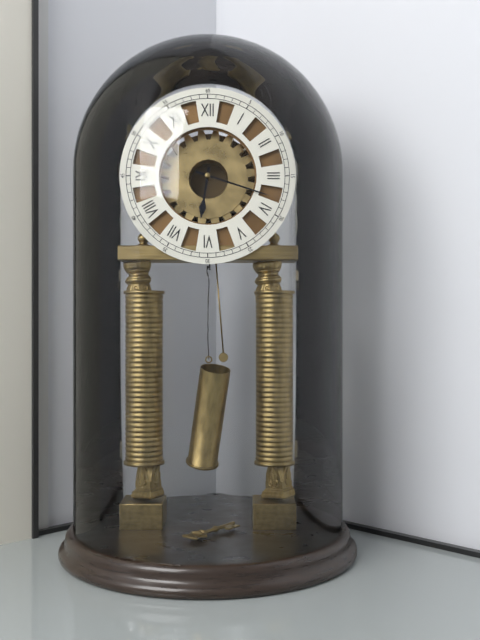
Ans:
6h18
